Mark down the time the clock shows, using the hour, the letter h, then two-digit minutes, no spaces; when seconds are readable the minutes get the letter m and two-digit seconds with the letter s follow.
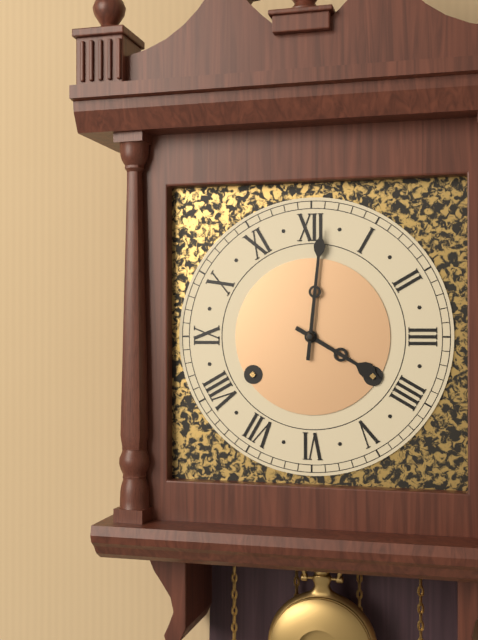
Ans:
4h01
